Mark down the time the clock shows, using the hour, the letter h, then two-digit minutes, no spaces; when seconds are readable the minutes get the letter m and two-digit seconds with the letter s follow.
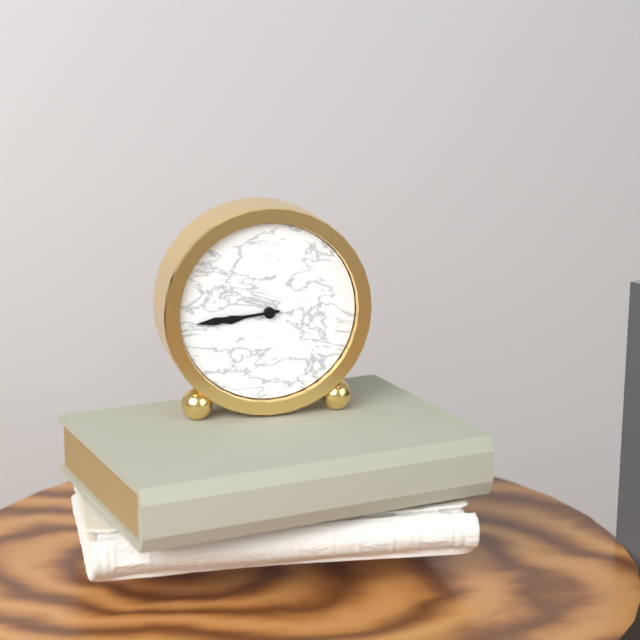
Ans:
8h44
